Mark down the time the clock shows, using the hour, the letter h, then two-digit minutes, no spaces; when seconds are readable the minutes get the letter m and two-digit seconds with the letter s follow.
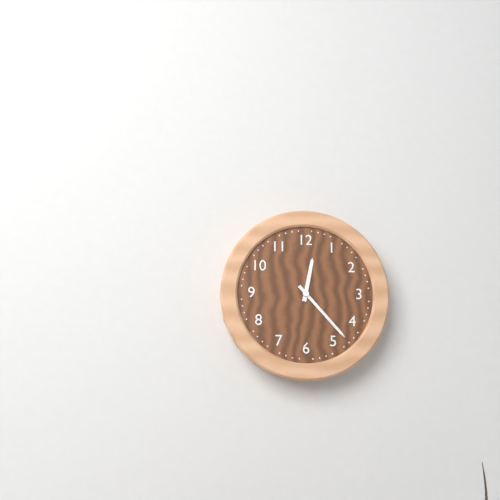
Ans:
12h23
